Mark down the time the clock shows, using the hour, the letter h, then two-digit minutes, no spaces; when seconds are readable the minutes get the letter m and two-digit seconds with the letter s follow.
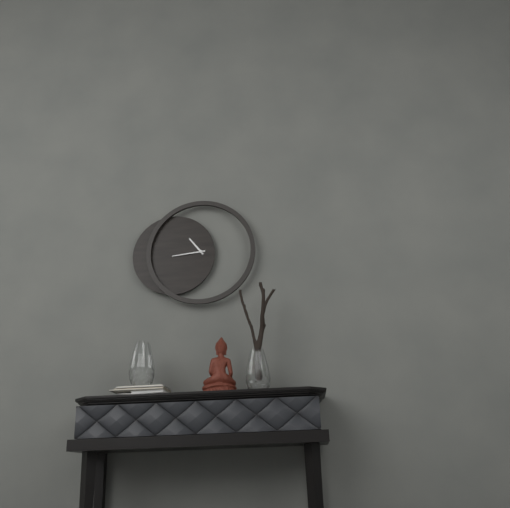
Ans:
10h44
